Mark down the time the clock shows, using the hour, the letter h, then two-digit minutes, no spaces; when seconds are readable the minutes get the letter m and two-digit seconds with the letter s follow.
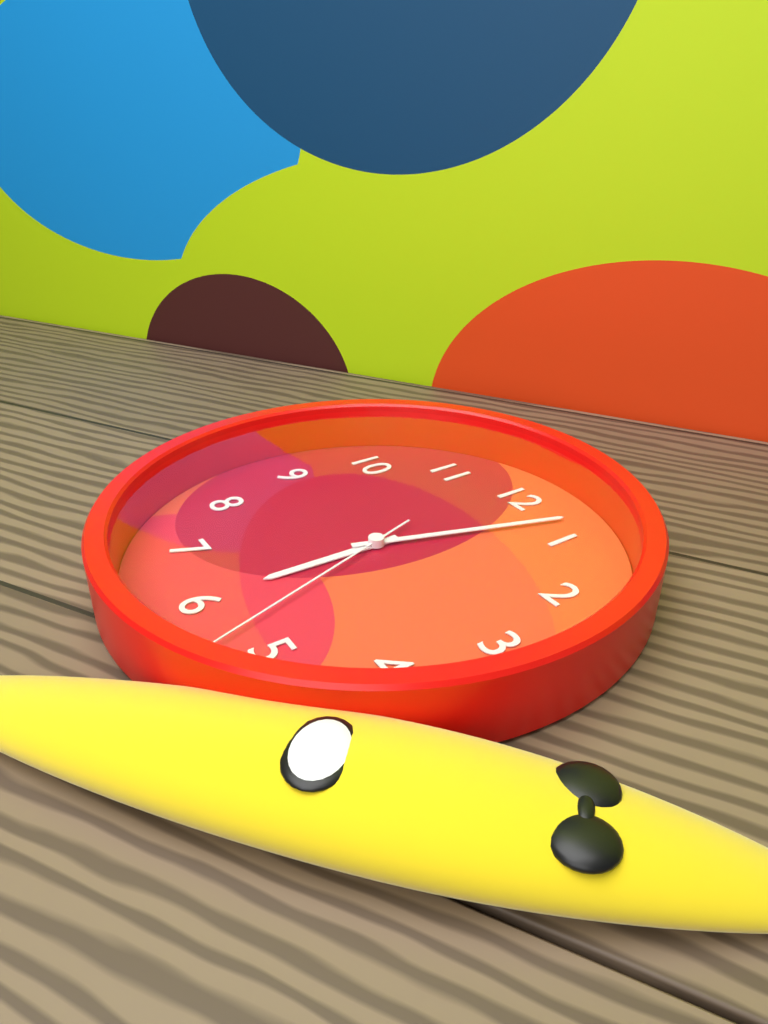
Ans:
6h03m27s
